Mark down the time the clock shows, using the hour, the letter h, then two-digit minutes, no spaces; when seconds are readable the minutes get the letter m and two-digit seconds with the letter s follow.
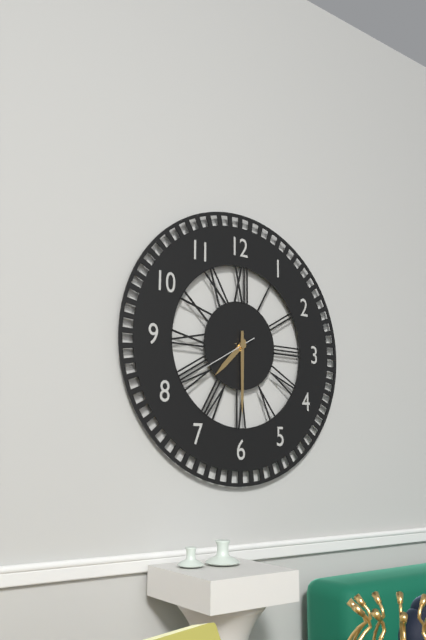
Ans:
7h30m40s
